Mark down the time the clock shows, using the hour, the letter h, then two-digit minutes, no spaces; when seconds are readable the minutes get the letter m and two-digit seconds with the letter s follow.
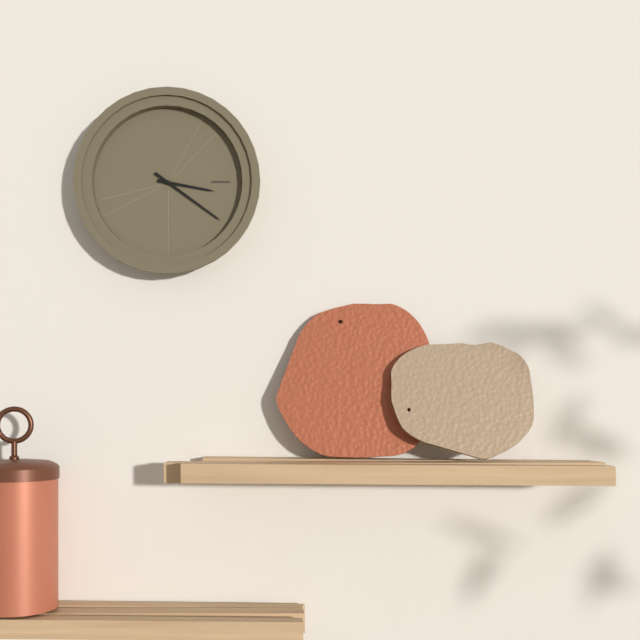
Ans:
3h21
